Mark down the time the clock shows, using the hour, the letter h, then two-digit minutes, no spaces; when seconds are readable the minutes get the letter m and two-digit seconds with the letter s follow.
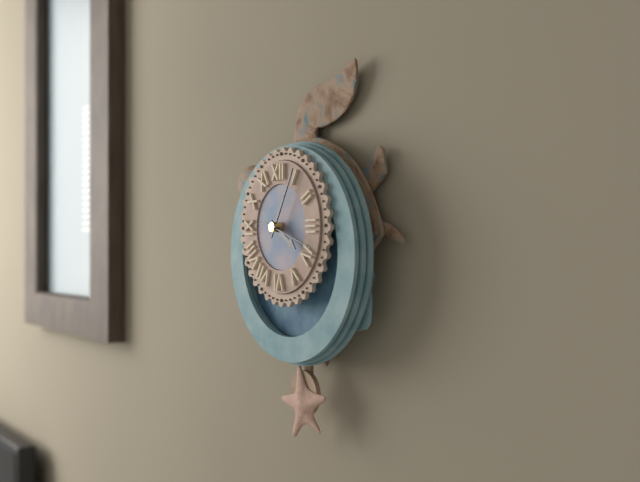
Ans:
4h05m18s
